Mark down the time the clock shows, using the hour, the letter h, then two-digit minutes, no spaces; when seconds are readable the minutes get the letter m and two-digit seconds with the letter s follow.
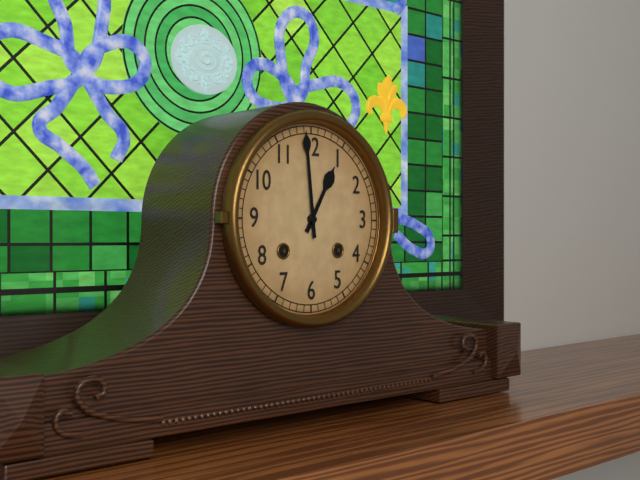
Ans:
12h59
